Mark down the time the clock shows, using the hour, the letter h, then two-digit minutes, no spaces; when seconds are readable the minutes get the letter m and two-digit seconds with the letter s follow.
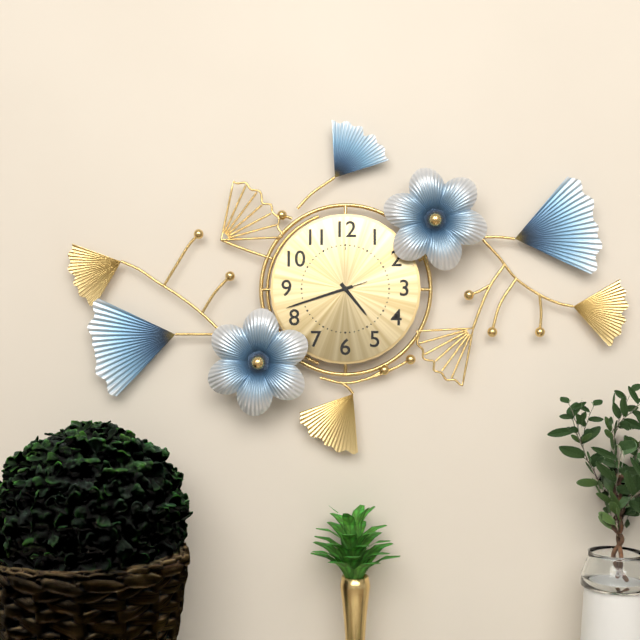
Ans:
4h42
